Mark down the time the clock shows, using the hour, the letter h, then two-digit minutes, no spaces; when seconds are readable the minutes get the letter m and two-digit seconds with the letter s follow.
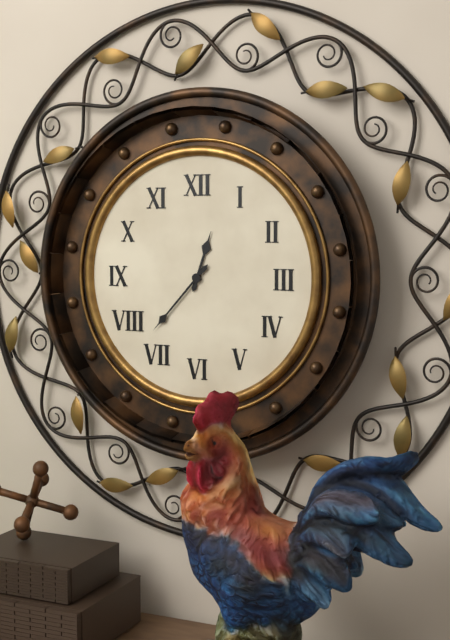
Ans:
12h37
